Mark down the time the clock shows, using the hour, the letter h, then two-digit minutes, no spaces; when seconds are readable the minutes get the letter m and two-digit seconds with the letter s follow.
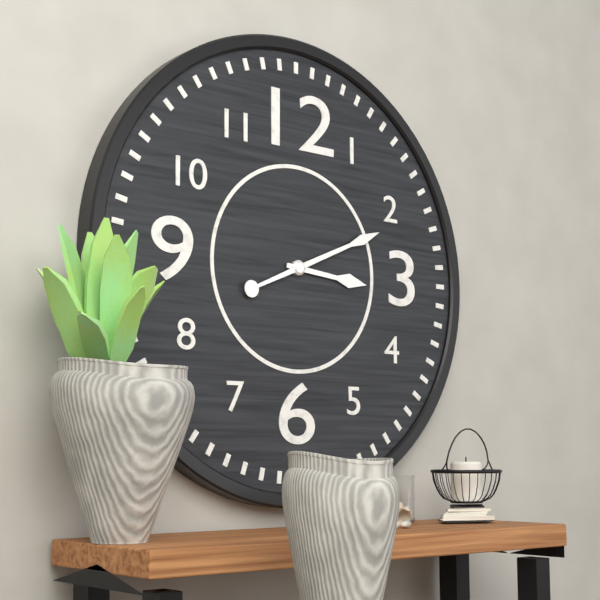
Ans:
3h11
